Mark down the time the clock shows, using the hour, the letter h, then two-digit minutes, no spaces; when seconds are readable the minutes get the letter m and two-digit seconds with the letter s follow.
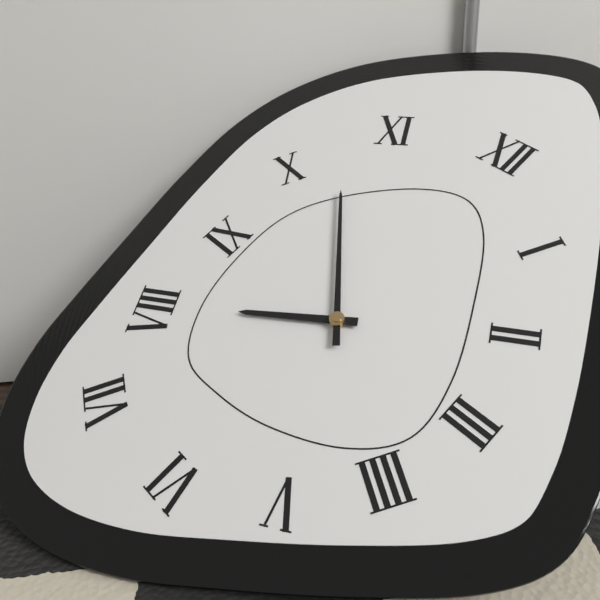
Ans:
7h53
